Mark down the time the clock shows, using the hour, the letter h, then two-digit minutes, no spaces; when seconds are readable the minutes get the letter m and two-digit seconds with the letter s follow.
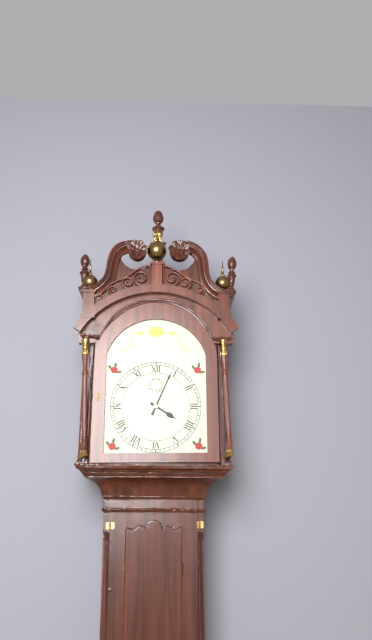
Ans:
4h04
